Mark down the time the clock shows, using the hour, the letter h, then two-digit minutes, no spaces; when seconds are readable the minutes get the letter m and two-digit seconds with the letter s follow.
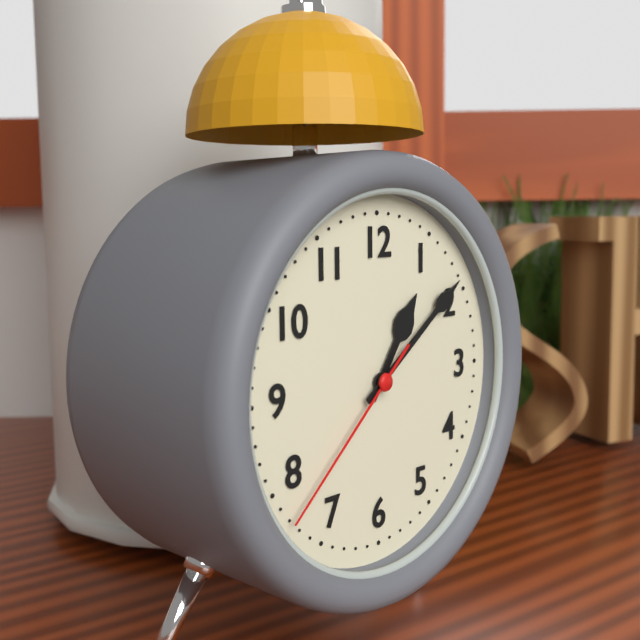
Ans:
1h09m38s
